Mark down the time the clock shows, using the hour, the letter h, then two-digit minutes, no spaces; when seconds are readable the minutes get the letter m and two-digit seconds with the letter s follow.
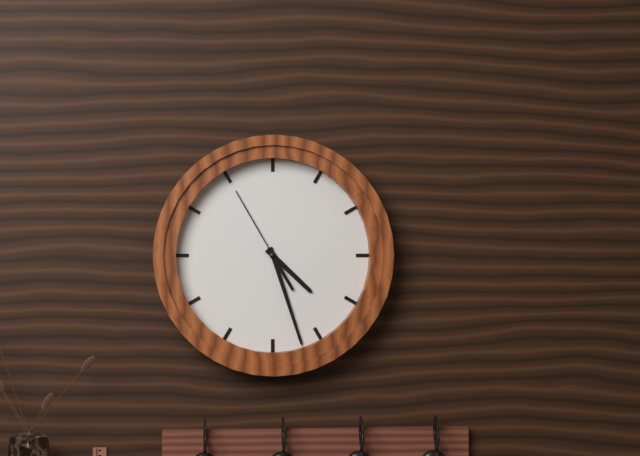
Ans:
4h27m55s
